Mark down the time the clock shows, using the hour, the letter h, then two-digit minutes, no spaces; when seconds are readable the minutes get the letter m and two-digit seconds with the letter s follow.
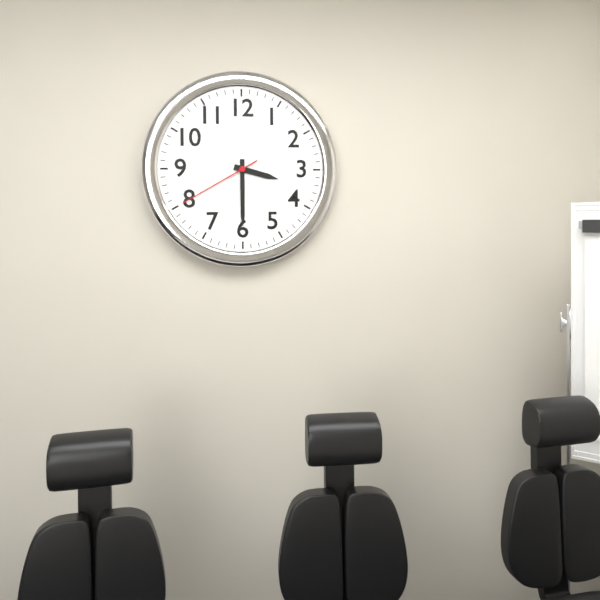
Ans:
3h30m40s
